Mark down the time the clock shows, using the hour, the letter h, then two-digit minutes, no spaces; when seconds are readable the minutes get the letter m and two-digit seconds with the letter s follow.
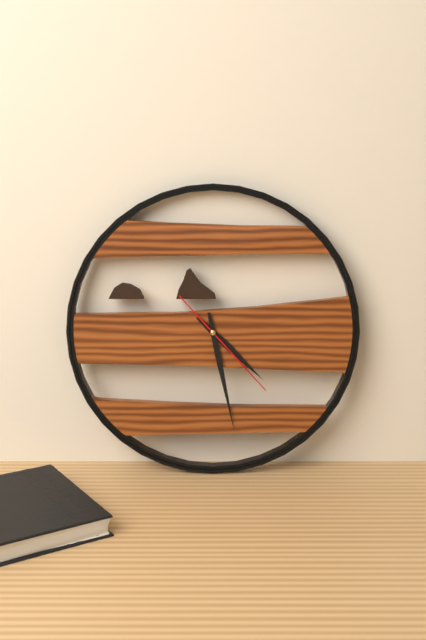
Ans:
4h28m23s
